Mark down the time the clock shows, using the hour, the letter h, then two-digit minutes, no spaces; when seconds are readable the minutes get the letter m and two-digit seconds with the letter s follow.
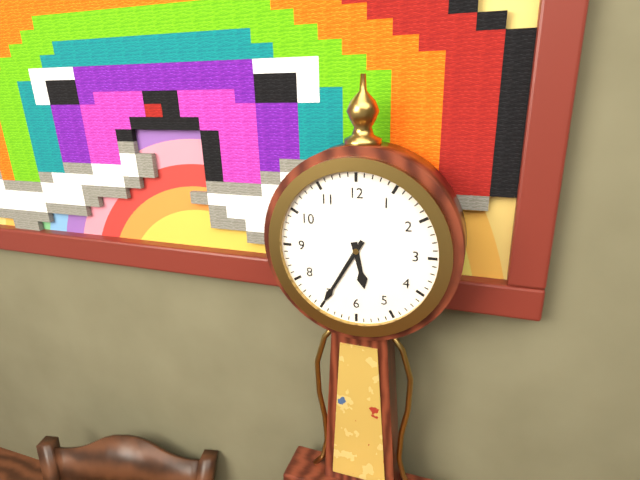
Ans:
5h35
